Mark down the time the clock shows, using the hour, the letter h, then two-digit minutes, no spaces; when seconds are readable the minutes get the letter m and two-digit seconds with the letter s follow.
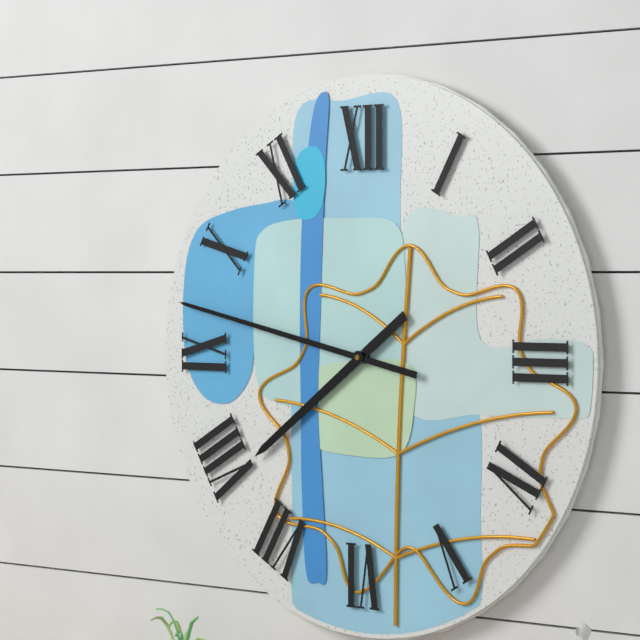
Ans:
7h47
